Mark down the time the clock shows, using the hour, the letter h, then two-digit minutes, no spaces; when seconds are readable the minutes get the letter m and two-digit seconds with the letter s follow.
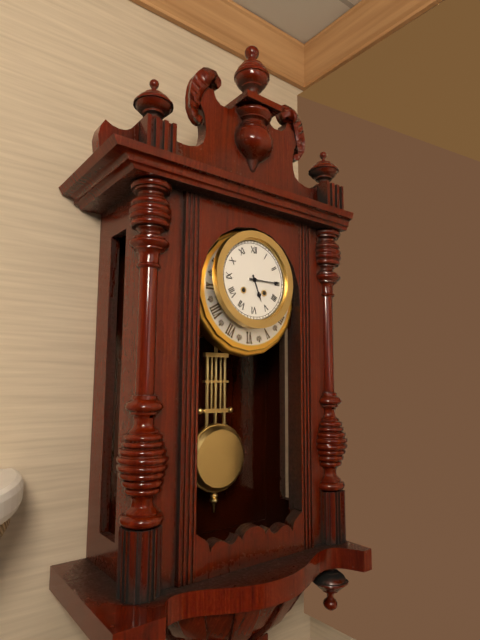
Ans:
5h15
